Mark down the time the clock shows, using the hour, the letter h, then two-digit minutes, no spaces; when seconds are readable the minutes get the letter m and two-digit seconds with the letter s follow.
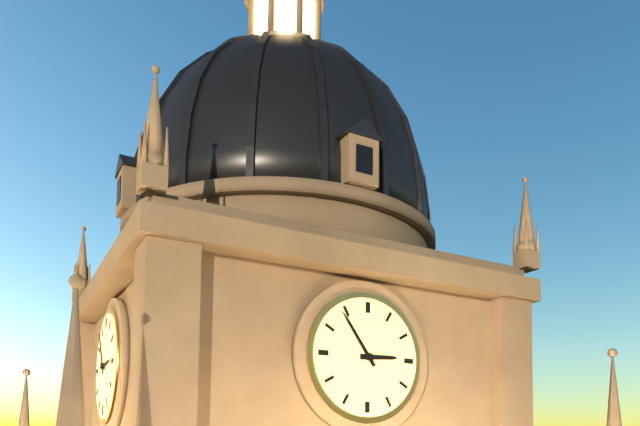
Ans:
2h54
